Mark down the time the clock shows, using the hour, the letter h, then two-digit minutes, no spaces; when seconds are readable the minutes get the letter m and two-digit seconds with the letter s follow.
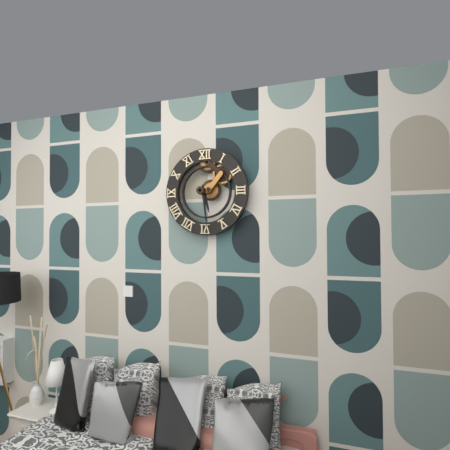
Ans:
5h29
